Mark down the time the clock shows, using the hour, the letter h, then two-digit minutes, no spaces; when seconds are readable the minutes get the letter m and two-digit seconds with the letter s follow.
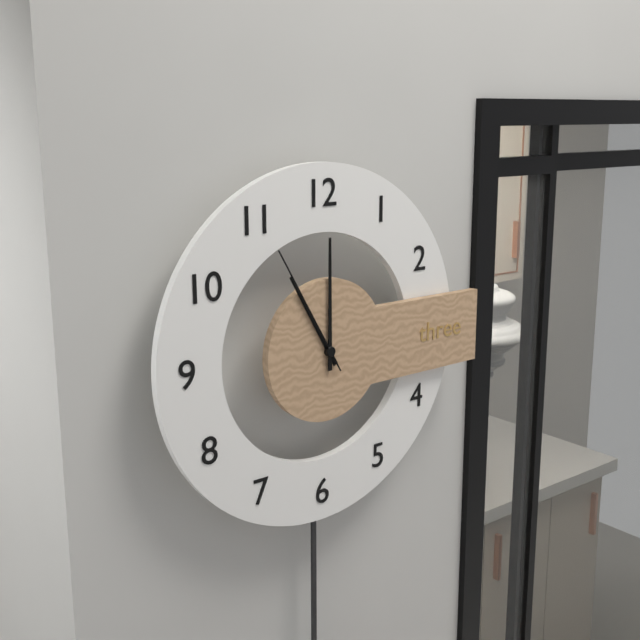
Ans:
11h00m55s
